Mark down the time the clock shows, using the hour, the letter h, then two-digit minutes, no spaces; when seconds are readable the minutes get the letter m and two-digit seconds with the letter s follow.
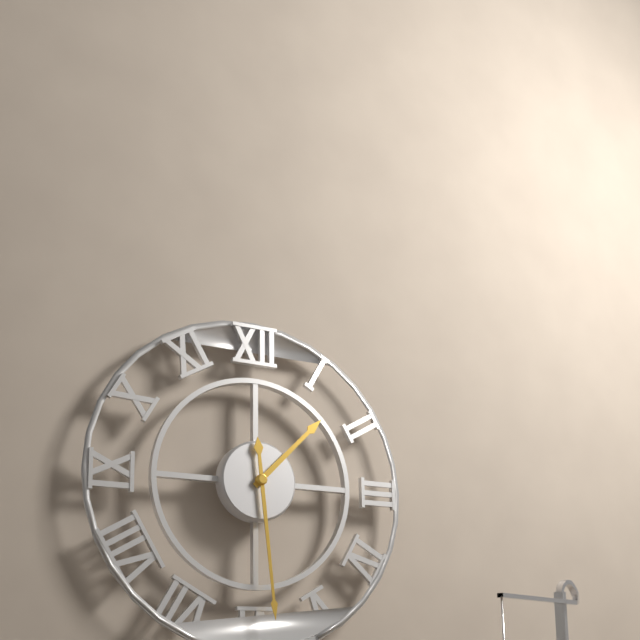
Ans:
1h29
